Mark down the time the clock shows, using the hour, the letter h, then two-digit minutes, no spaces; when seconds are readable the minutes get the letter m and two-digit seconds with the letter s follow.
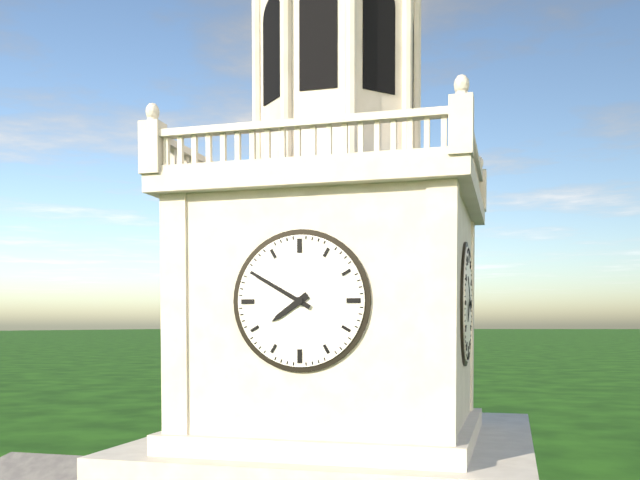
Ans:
7h50
